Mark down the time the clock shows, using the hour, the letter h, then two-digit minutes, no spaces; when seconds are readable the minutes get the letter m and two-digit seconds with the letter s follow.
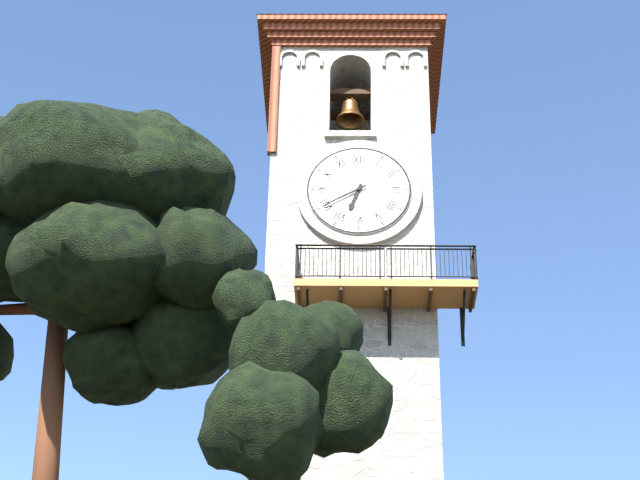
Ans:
6h40
